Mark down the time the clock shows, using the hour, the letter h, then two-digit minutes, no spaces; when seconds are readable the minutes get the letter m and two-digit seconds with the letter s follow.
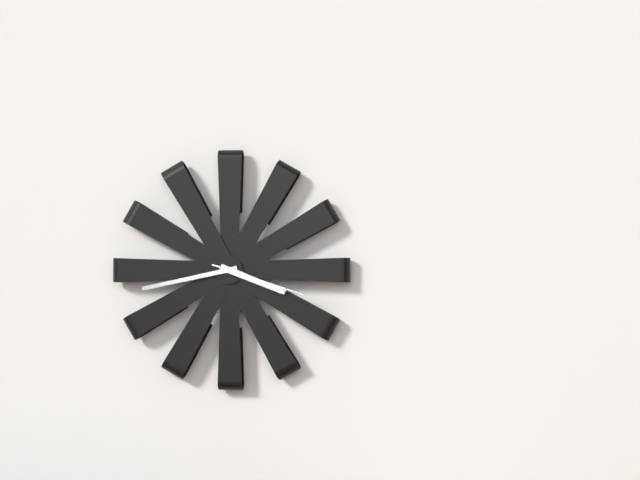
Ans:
3h43m18s
